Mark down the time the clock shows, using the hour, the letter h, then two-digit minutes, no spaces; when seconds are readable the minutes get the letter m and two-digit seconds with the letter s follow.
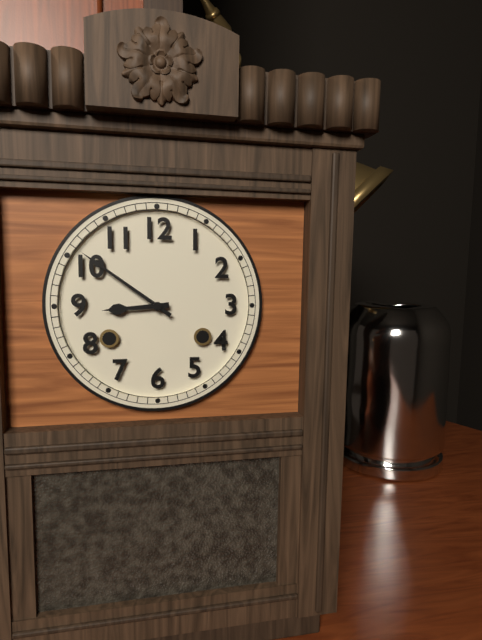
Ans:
8h51
